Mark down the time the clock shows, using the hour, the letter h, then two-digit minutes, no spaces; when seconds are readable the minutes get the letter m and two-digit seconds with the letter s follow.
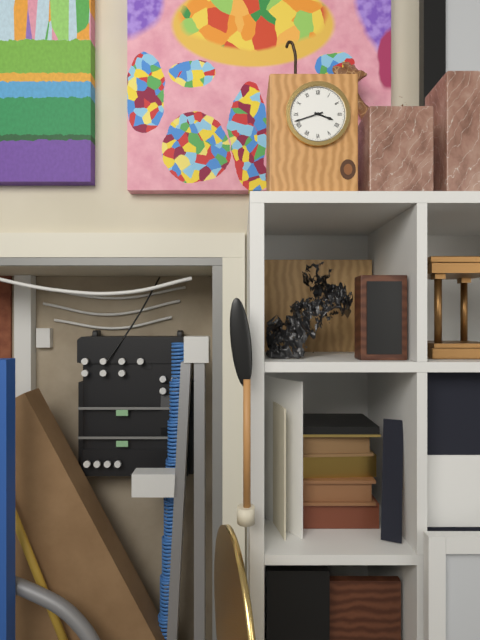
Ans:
3h42
